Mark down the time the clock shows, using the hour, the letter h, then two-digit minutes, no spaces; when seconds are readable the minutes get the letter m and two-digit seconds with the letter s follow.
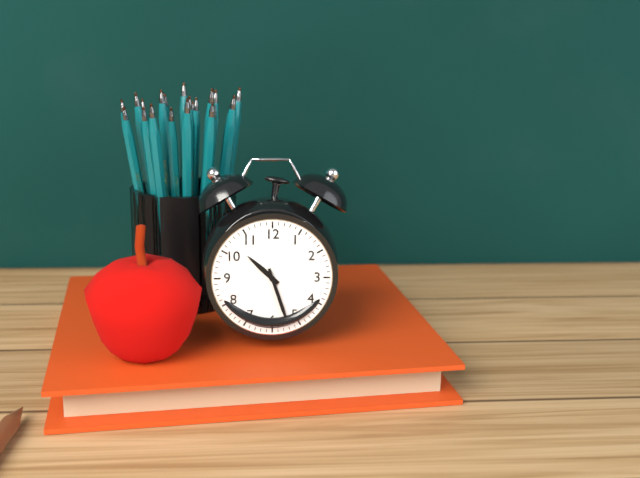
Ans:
10h27
